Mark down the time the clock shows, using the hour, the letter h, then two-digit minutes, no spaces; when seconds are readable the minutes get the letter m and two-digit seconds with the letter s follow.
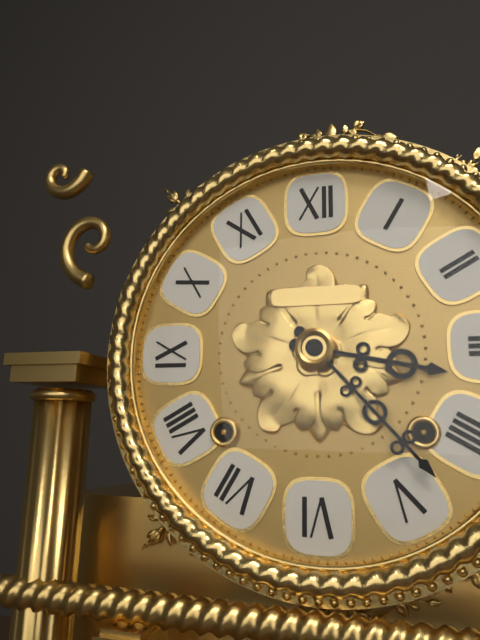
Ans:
3h23
